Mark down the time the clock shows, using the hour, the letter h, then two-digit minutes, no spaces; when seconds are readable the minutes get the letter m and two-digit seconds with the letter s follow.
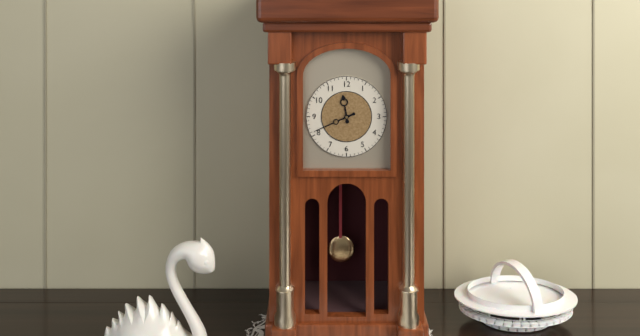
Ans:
11h41
